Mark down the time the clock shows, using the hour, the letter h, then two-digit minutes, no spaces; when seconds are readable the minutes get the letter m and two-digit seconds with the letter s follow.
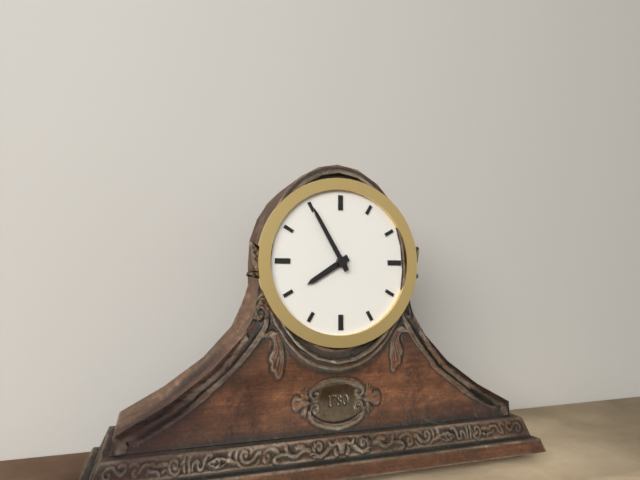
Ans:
7h55
